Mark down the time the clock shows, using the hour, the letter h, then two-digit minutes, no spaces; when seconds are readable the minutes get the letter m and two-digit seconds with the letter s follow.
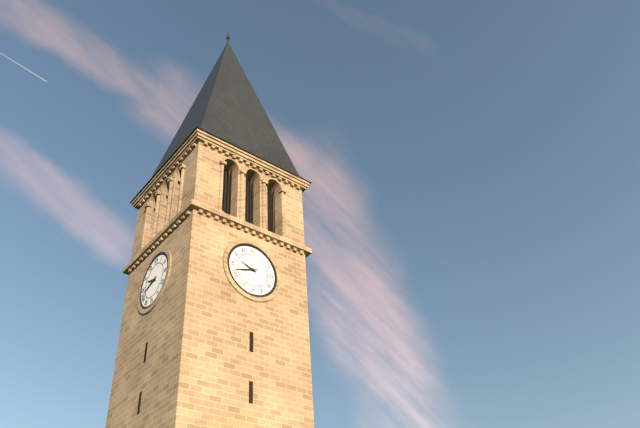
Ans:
9h42
